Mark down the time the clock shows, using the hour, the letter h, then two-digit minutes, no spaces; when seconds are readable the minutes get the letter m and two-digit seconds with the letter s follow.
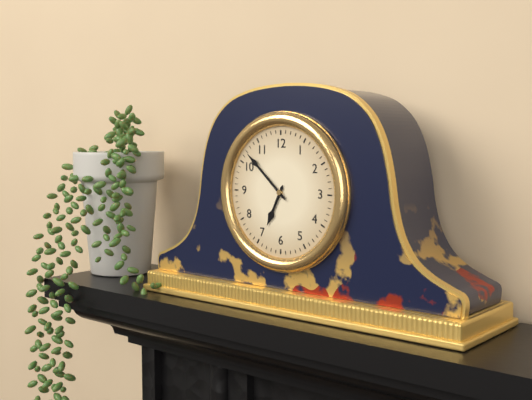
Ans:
6h52
